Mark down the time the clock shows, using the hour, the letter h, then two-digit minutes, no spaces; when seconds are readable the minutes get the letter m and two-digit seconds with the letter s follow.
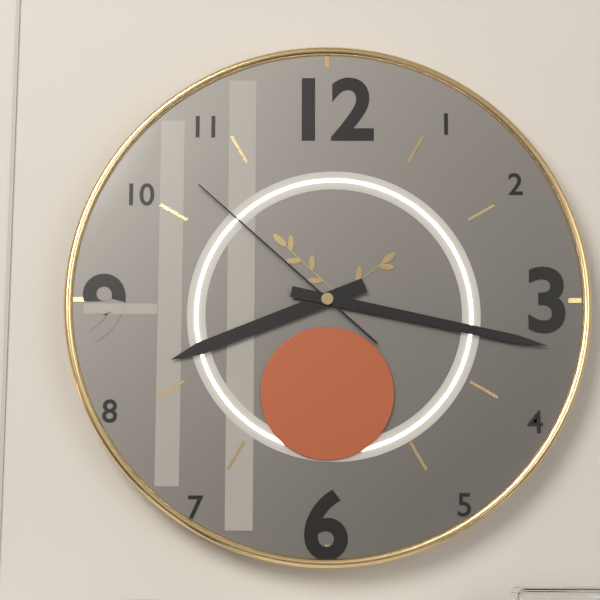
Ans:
8h17m52s
